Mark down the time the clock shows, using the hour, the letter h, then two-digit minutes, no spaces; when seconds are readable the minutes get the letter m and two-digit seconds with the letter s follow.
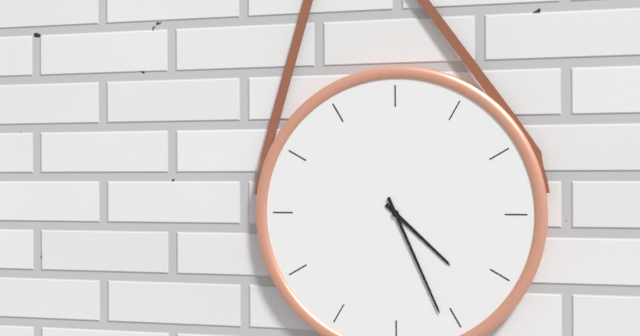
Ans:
4h26
